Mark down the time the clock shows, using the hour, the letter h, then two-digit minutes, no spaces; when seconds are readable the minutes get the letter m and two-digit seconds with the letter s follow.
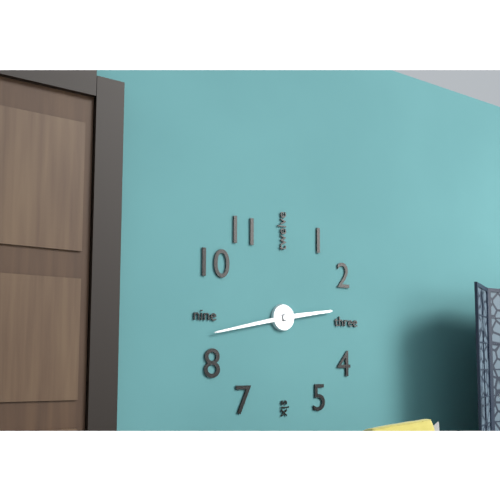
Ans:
2h43
